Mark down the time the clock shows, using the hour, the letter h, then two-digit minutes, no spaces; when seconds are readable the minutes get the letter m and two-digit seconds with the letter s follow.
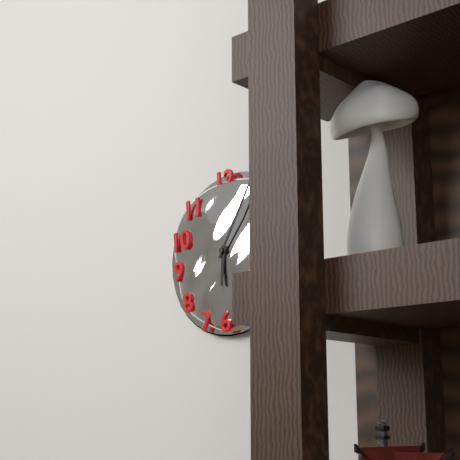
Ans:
6h05
